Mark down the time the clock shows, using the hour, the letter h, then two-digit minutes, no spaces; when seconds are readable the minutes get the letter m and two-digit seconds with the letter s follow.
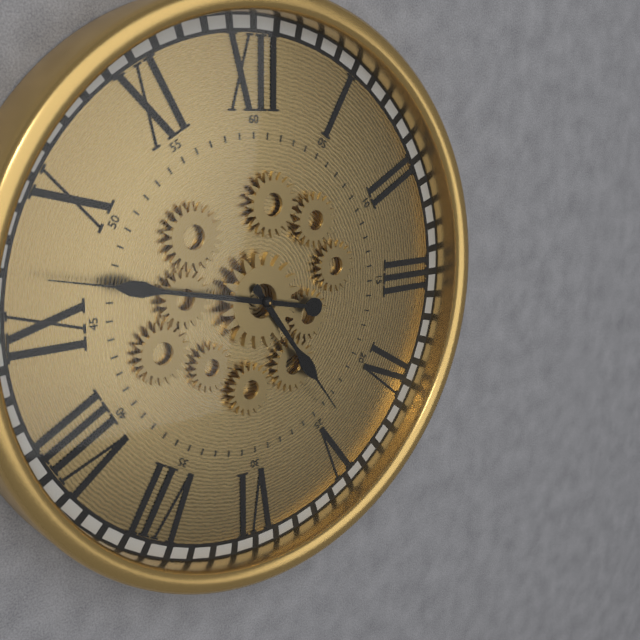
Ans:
4h47
